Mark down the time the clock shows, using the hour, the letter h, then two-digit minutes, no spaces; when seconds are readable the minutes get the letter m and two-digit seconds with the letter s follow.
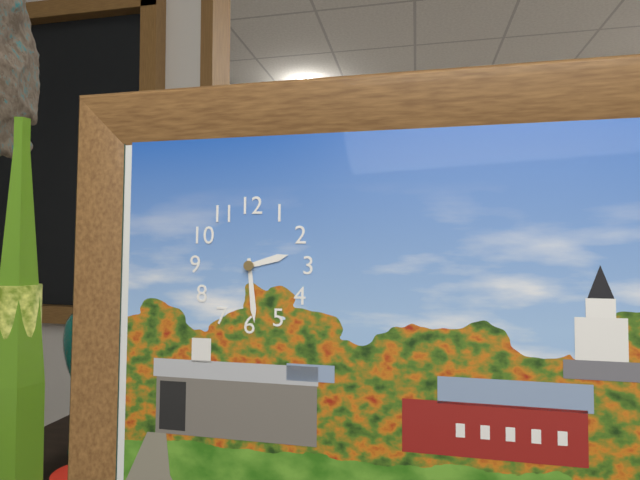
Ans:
2h29
